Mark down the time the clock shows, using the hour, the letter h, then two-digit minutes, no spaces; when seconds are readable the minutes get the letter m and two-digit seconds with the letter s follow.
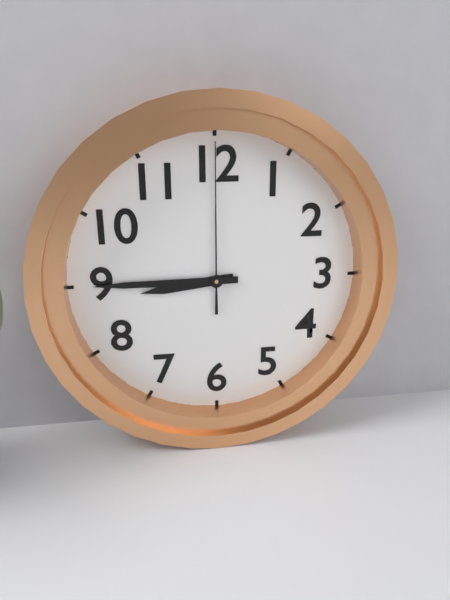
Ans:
8h45m00s
